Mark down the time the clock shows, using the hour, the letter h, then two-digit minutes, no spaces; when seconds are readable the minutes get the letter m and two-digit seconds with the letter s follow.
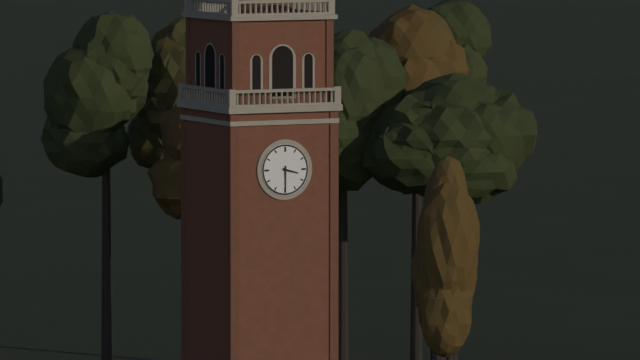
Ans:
3h30
